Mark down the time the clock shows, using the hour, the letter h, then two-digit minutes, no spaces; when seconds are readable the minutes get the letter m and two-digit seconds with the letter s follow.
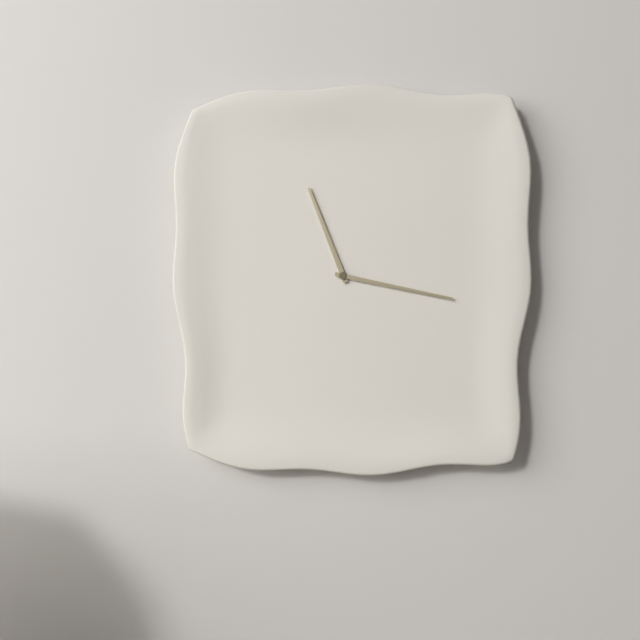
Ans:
11h17
